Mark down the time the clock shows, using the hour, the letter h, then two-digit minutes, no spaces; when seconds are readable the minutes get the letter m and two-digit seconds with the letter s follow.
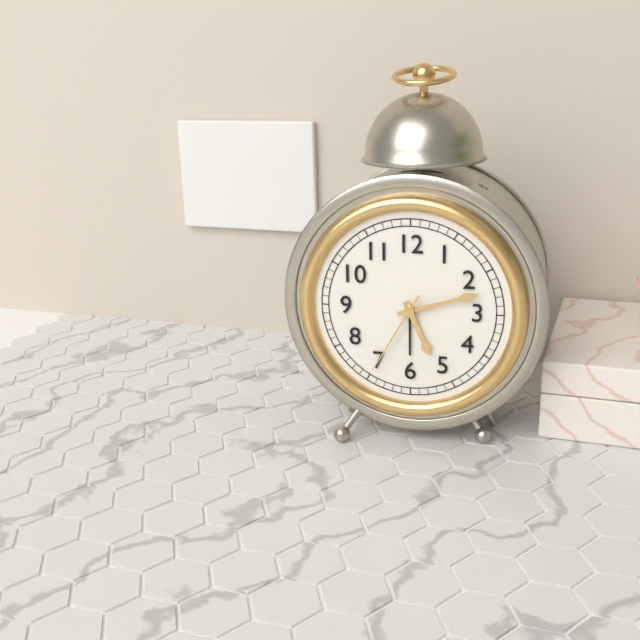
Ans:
5h12m35s
